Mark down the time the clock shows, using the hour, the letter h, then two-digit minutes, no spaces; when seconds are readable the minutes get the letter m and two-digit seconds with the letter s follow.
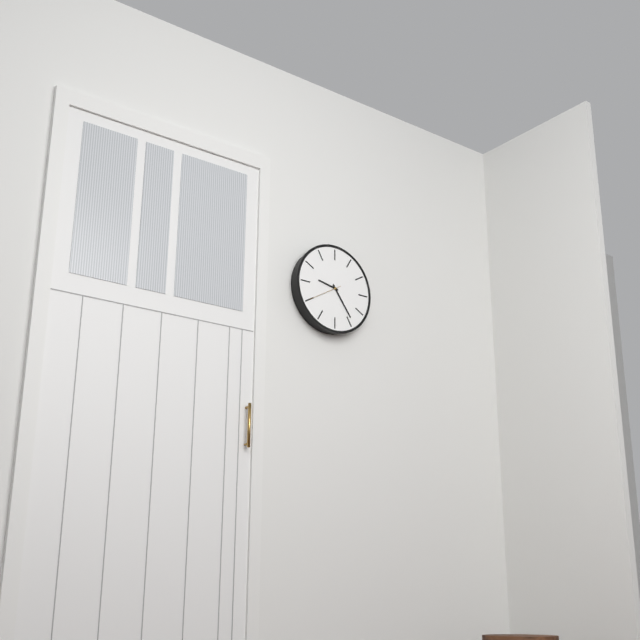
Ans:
9h24
